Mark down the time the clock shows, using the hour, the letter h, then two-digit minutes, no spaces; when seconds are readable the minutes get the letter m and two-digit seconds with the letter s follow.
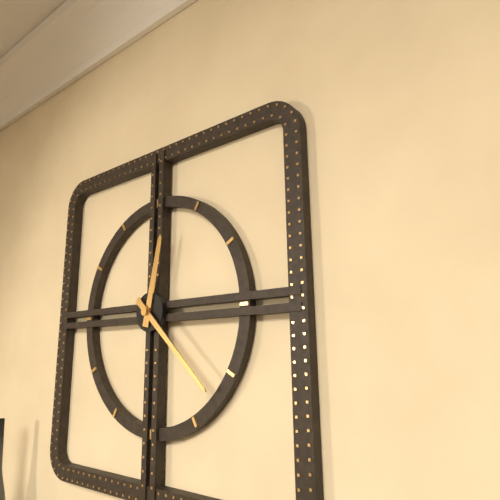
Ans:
12h22
